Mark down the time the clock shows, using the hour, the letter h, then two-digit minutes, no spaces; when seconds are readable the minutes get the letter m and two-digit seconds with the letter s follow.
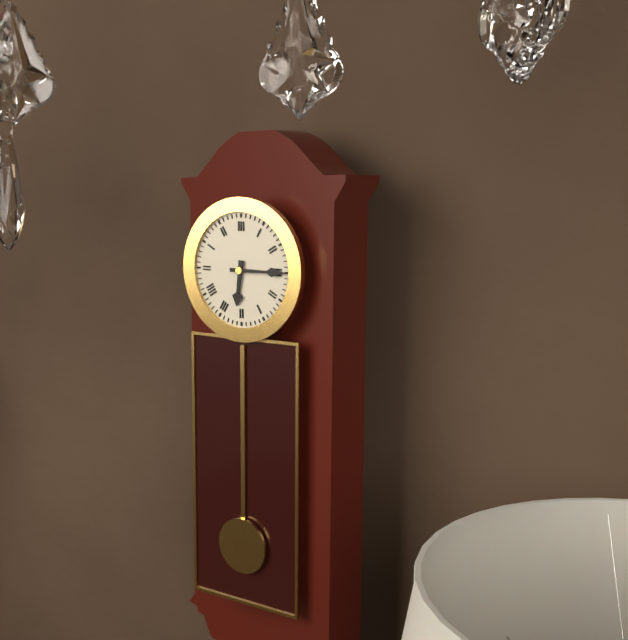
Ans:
6h15
